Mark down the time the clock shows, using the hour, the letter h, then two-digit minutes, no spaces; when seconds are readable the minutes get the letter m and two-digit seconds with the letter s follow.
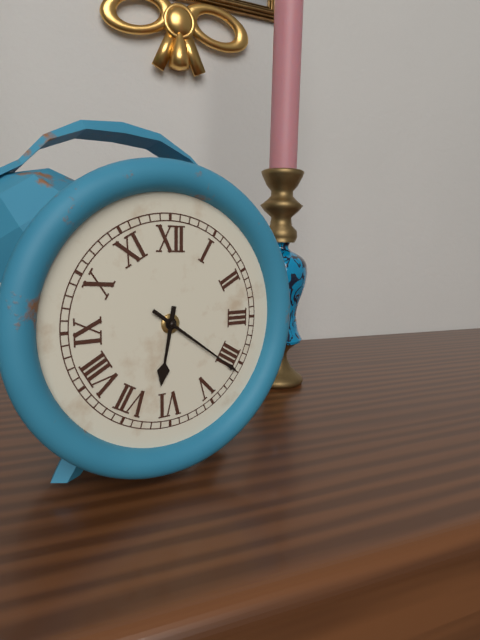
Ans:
6h21
